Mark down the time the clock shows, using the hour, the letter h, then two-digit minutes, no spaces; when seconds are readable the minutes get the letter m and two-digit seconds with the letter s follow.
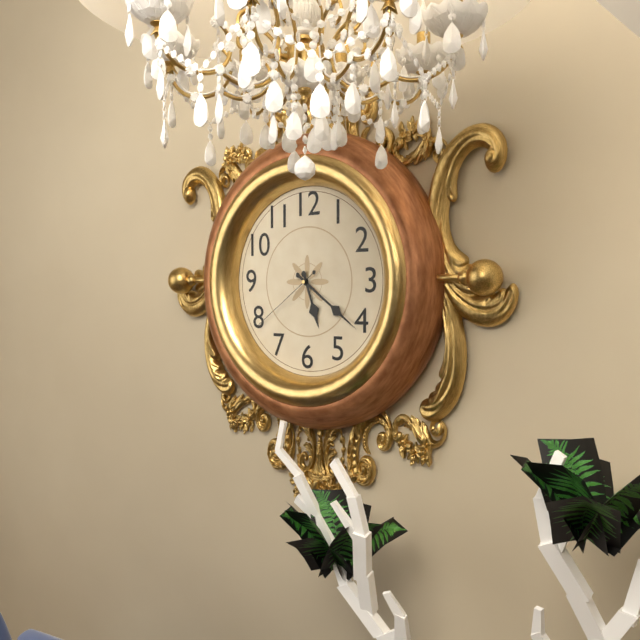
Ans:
5h21m39s
